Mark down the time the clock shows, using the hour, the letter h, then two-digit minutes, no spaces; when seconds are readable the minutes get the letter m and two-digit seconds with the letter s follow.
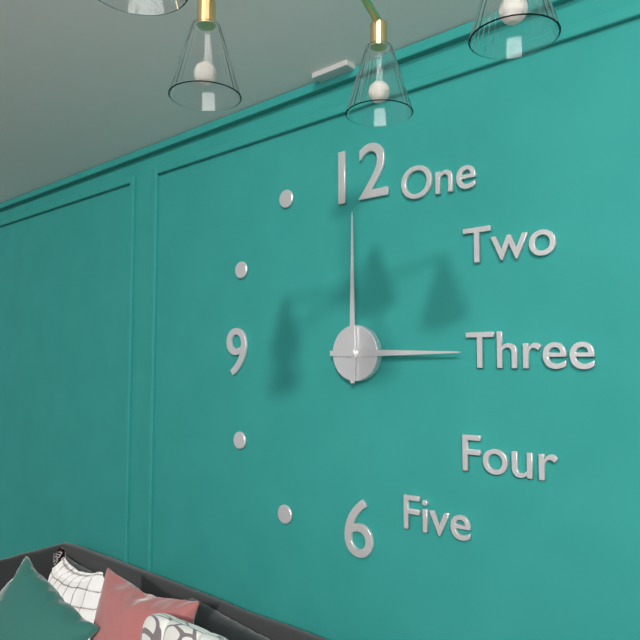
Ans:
3h00
